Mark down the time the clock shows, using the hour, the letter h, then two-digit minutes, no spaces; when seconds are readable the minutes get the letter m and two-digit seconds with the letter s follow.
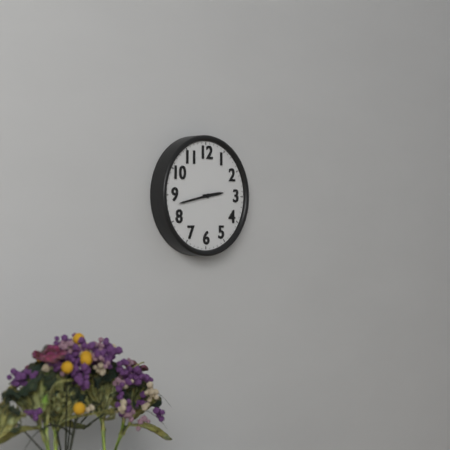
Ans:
2h43
